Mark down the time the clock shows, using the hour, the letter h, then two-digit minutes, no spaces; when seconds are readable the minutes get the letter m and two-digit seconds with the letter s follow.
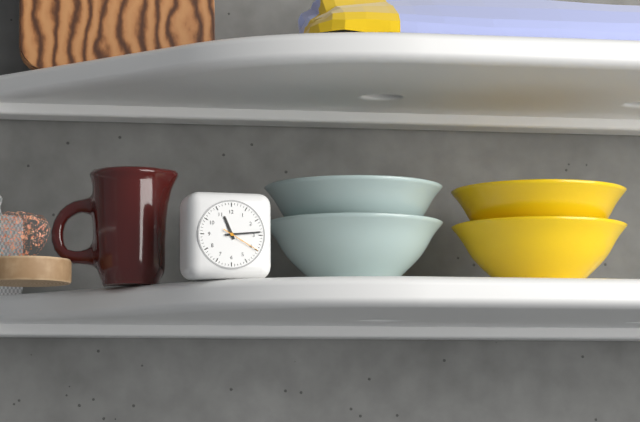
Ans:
11h14
